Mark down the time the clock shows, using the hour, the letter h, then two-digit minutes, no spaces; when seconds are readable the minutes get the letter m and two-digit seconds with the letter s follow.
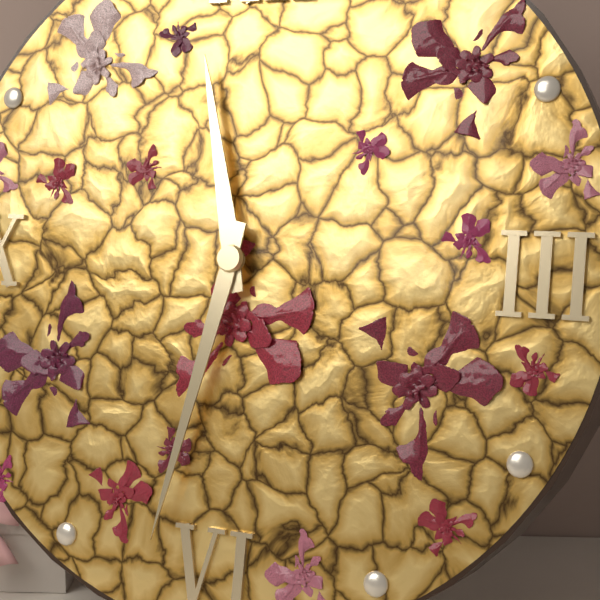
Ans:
11h32
